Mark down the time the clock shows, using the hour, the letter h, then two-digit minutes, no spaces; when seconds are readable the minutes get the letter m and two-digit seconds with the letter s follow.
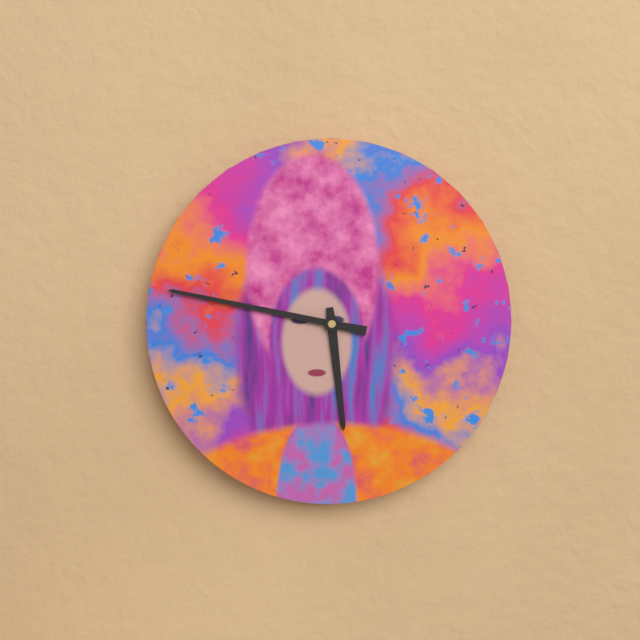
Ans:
5h47
